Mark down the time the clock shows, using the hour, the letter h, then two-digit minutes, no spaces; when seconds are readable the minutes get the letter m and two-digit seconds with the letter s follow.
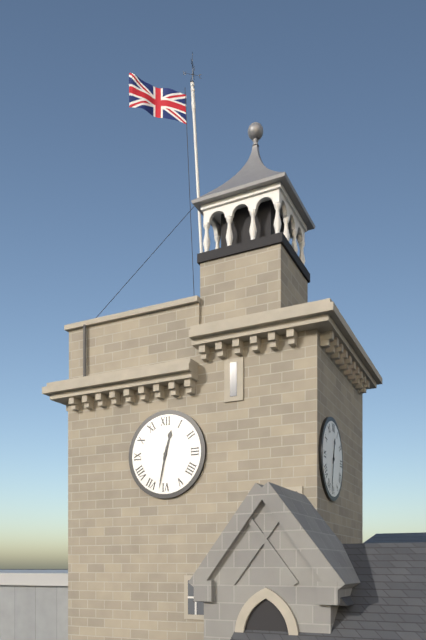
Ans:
12h32
